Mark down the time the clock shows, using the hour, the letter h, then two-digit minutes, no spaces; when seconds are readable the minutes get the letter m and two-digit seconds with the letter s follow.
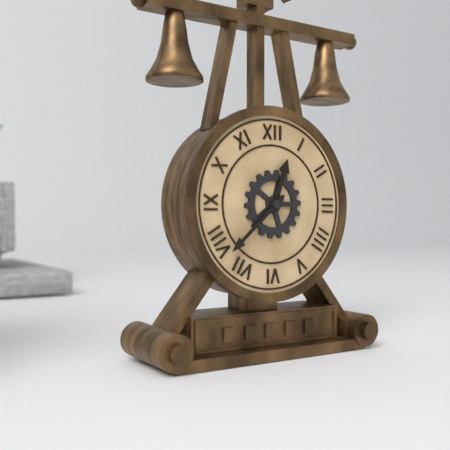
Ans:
12h38
